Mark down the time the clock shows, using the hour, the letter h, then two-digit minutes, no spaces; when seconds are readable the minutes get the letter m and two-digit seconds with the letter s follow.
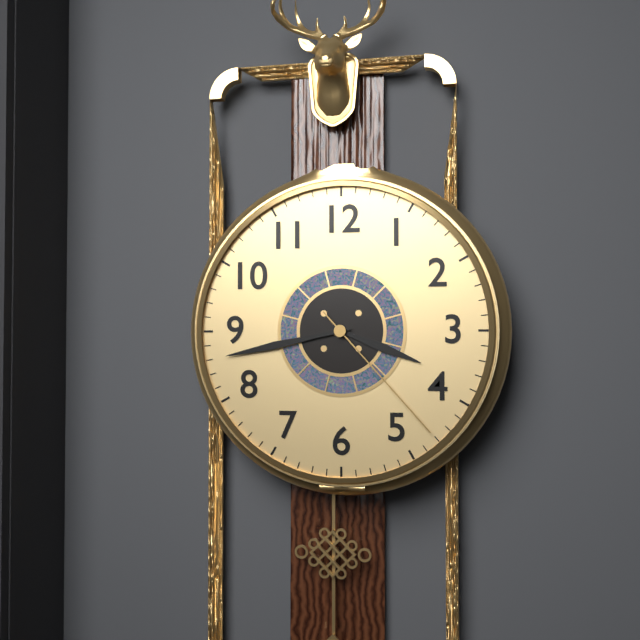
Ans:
3h43m23s
